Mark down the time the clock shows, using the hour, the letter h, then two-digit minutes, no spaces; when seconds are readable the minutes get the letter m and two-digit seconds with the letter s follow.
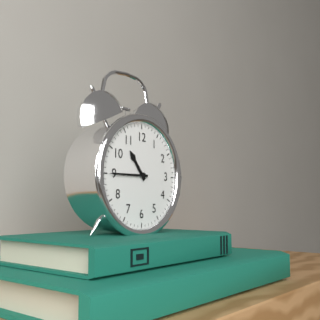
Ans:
10h45
